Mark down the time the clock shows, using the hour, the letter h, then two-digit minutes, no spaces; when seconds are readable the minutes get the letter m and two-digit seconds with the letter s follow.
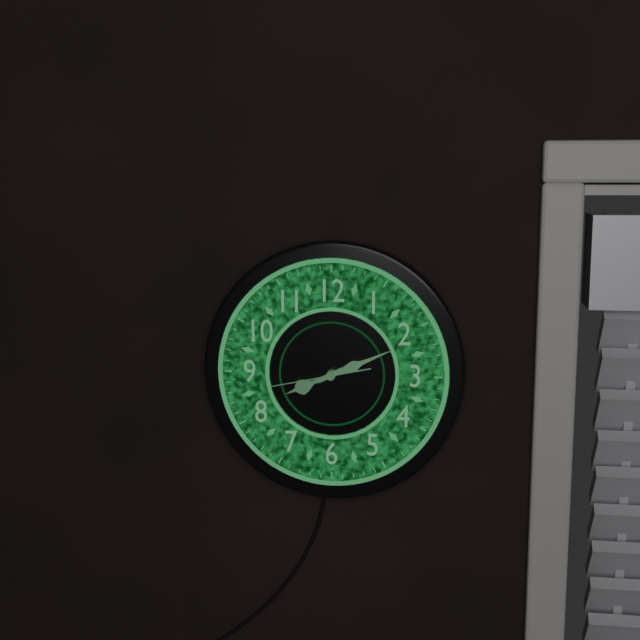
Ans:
8h11m43s
